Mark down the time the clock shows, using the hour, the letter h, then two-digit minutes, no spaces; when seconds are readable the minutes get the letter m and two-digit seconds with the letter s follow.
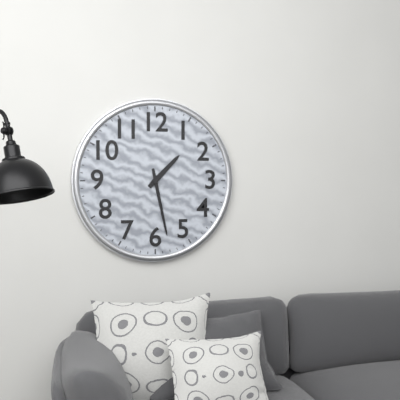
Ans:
1h28
